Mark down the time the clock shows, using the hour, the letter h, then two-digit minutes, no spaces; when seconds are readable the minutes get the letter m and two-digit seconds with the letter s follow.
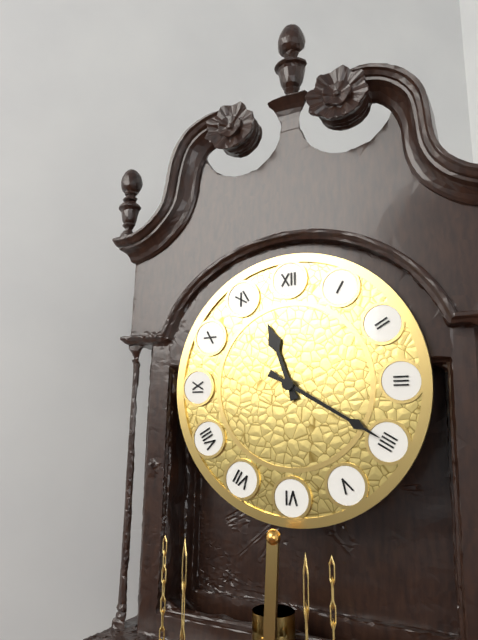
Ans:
11h20
